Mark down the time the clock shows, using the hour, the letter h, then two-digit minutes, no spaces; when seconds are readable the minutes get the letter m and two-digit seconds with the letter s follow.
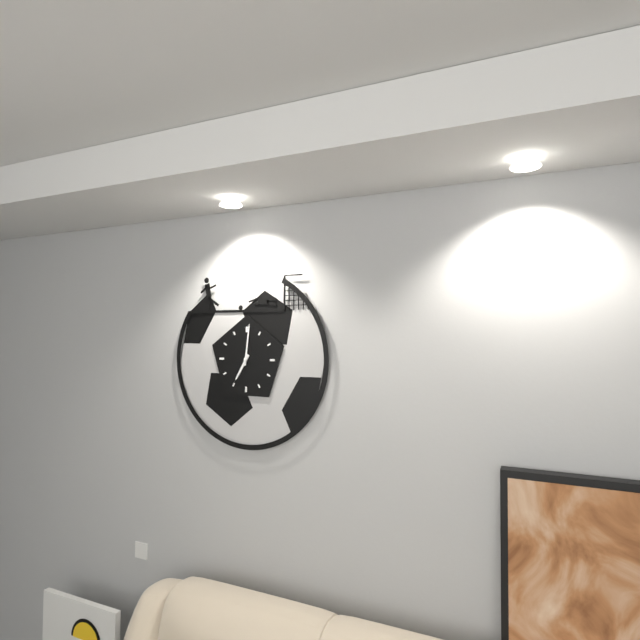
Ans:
7h01
